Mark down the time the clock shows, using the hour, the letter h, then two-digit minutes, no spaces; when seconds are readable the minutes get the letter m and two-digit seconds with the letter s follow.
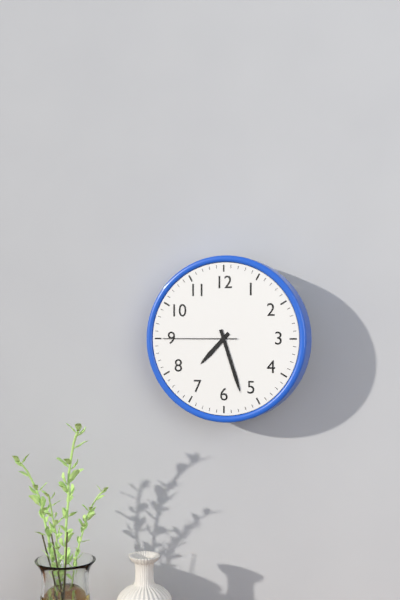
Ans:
7h27m45s
